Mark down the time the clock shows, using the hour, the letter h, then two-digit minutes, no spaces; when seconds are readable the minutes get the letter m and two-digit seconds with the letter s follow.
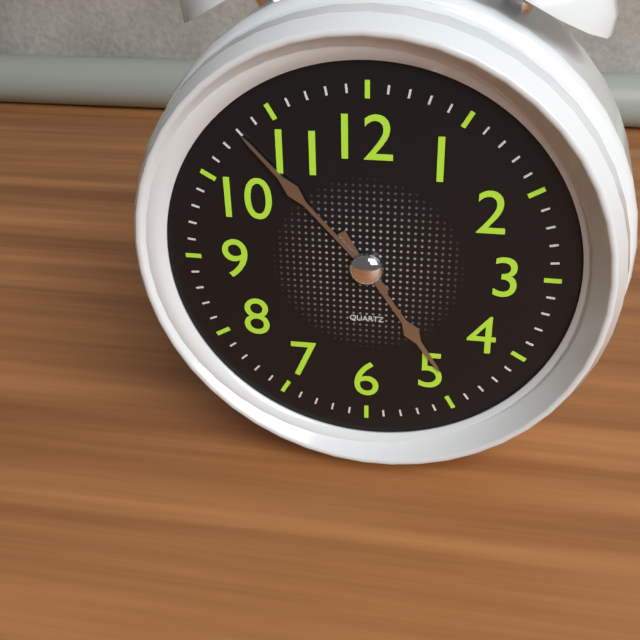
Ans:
4h53
